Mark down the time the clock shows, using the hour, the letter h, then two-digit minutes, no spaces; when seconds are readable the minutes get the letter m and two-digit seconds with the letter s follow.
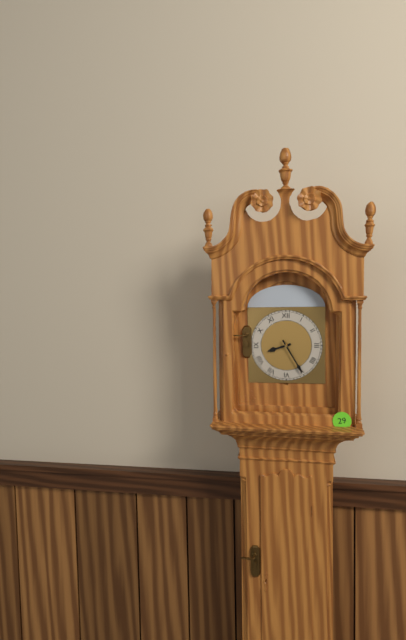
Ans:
8h25
